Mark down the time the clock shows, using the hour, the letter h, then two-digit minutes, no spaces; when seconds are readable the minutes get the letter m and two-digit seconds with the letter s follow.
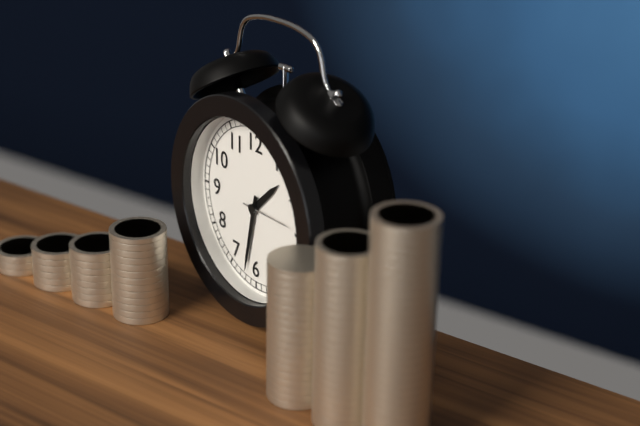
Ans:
1h32
